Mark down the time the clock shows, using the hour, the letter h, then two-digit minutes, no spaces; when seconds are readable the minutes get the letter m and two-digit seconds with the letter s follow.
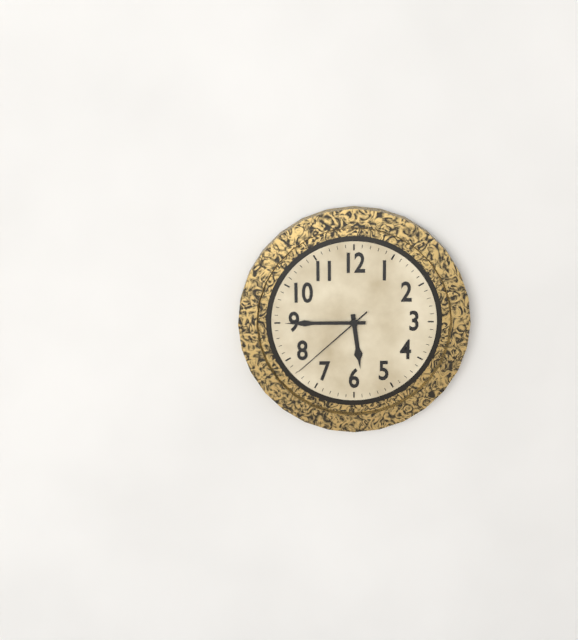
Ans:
5h45m38s
